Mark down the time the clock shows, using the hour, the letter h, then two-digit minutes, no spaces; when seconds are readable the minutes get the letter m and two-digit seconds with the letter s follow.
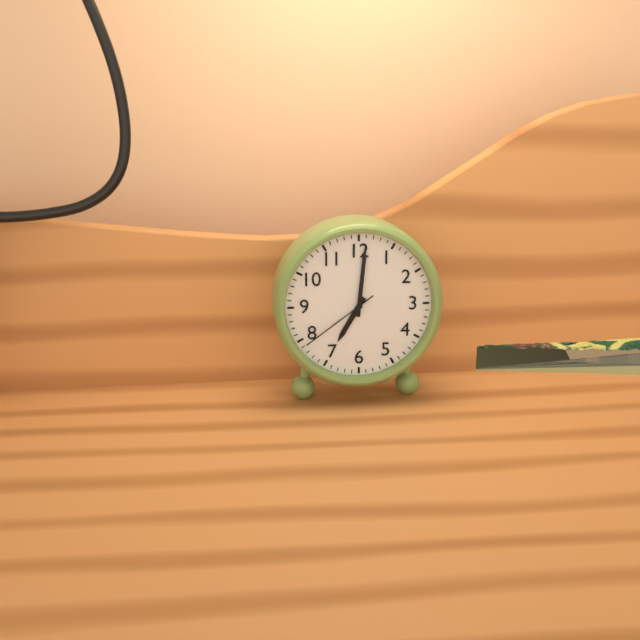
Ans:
7h01m39s
